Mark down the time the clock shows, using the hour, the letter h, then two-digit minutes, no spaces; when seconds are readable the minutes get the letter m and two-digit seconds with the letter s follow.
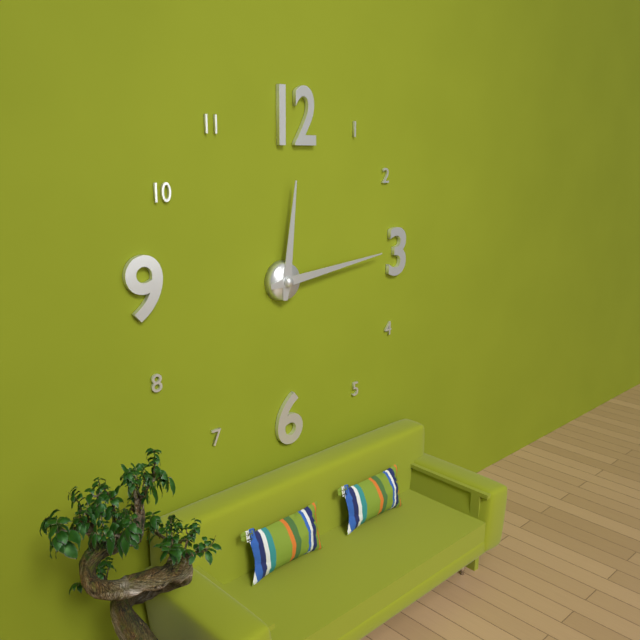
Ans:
12h14
